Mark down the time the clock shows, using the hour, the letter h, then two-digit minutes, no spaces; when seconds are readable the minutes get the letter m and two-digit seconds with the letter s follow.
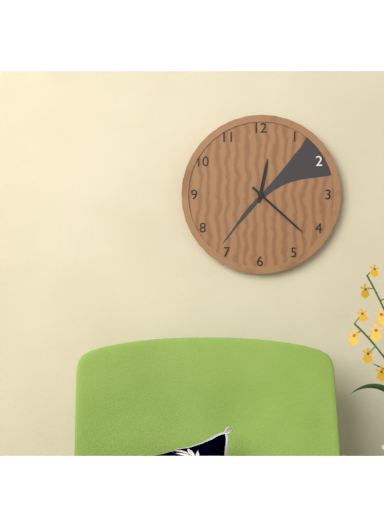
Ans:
12h22
